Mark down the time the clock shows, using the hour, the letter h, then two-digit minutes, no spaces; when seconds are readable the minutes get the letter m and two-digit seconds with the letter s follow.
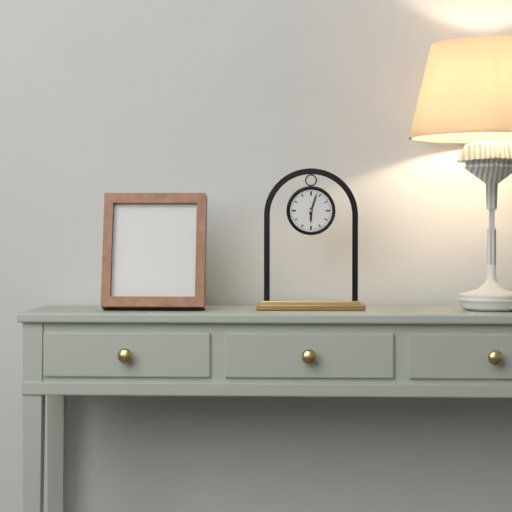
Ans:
6h03
